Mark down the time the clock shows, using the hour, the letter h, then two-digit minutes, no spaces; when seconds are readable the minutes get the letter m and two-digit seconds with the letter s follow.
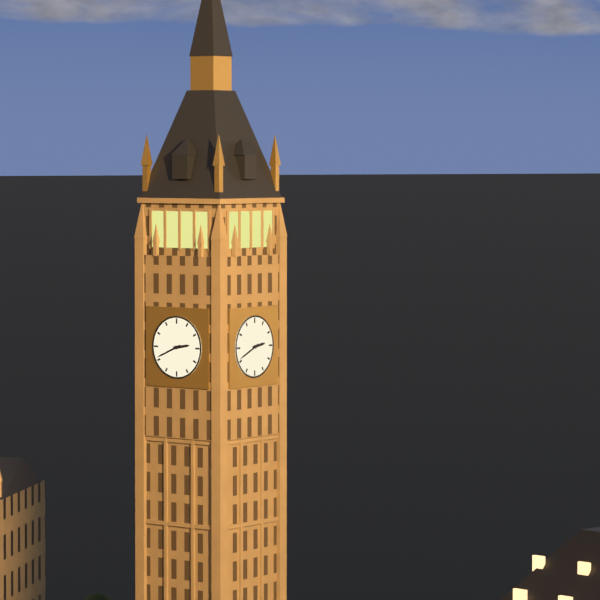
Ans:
2h41
